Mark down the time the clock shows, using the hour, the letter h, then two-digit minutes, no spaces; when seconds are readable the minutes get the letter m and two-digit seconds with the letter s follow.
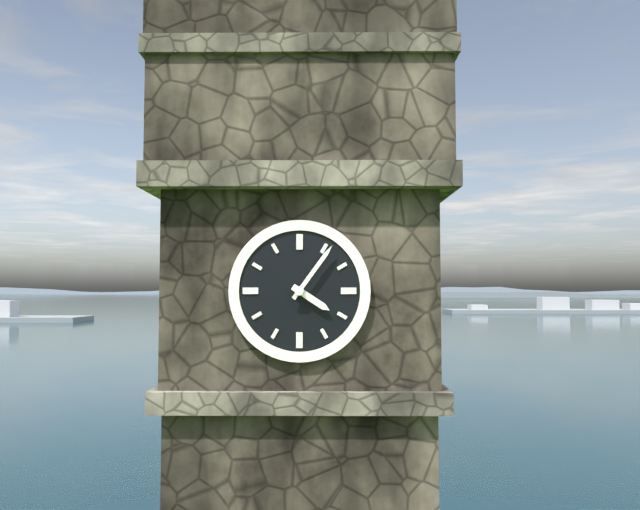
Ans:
4h06
